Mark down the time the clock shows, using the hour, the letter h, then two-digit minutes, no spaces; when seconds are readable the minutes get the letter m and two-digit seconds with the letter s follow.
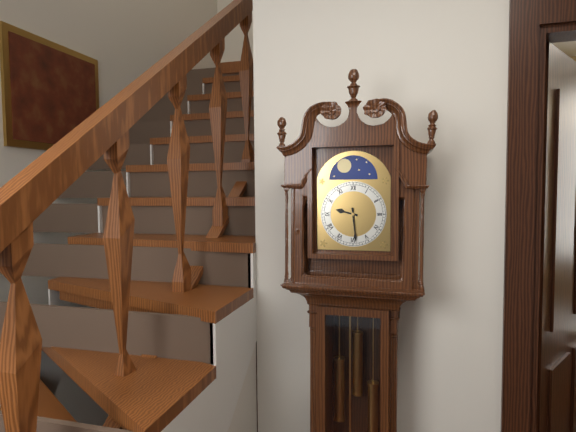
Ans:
9h29
